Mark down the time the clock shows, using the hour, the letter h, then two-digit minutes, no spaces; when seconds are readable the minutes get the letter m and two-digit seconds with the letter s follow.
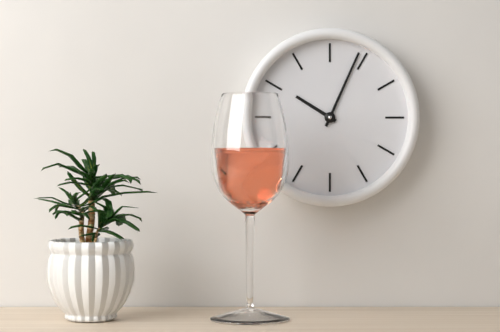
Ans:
10h04
